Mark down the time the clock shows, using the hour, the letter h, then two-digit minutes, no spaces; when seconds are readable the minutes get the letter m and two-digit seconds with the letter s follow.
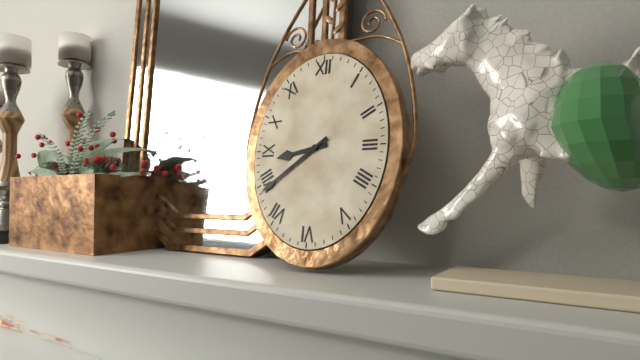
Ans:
8h39
